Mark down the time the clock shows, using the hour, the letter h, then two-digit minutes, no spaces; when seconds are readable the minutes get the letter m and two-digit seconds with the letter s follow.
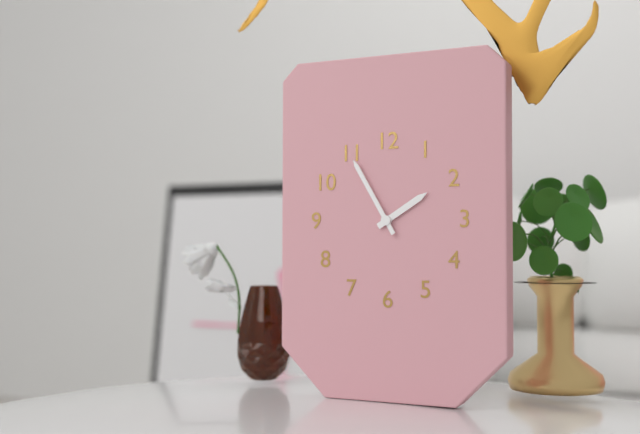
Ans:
1h55
